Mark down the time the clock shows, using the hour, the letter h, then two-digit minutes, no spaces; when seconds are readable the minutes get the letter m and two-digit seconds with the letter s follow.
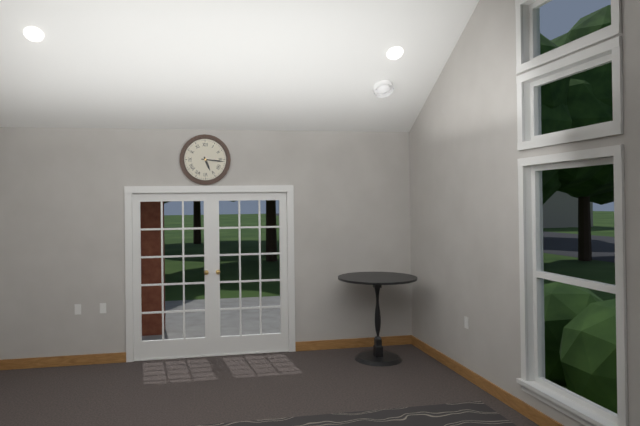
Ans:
5h16
